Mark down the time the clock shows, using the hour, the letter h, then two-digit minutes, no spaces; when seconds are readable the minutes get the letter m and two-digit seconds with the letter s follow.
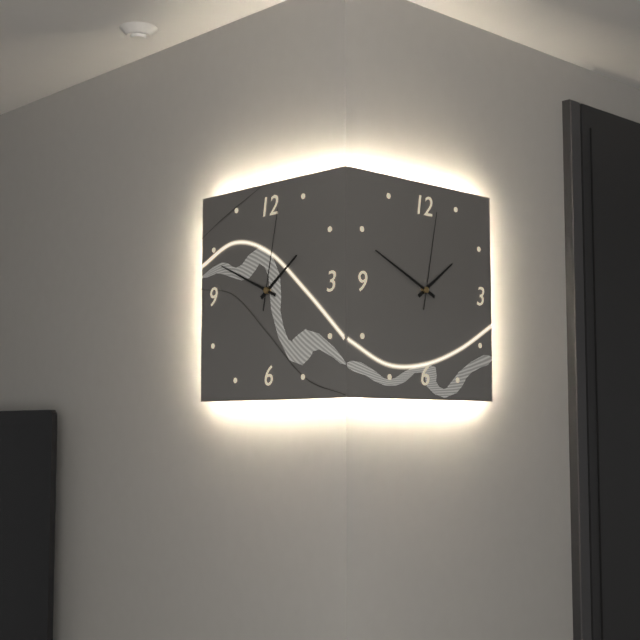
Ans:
1h49m02s
